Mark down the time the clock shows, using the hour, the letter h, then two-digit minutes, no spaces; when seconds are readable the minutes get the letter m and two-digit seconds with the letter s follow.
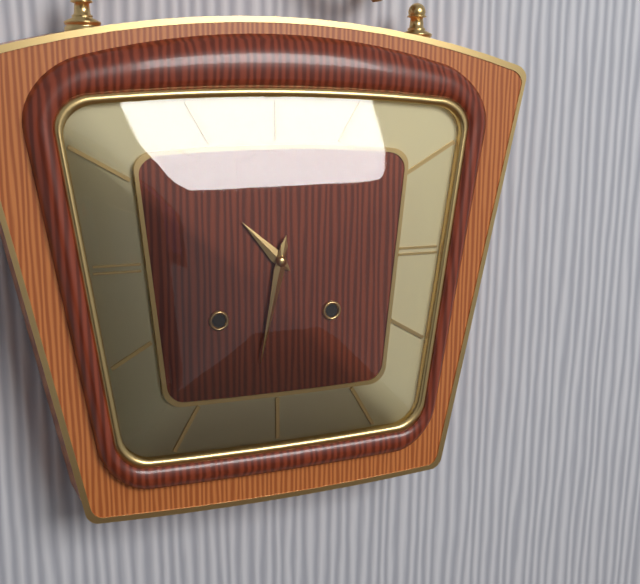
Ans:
10h32
